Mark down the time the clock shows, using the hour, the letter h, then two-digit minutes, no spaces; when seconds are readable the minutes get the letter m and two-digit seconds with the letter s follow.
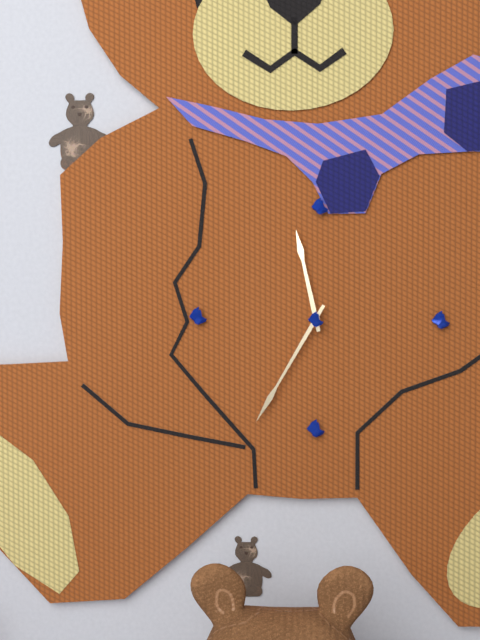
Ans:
11h35
